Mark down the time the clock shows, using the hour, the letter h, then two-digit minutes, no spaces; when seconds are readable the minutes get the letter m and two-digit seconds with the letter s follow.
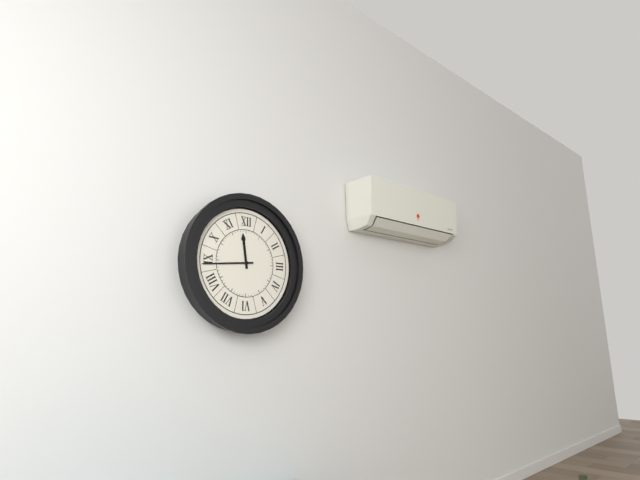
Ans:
11h44
